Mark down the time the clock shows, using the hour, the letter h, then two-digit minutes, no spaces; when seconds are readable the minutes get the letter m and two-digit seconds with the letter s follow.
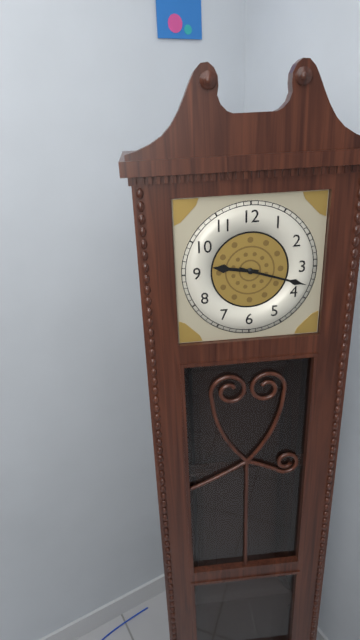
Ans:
9h18
